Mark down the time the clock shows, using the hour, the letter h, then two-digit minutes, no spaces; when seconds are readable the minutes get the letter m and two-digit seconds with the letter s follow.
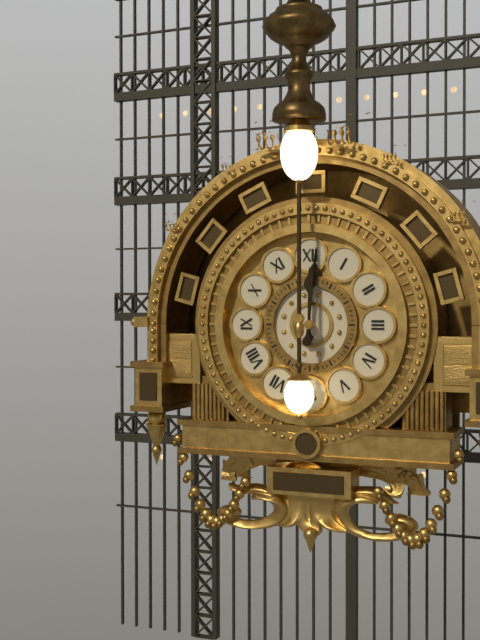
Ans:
12h01
